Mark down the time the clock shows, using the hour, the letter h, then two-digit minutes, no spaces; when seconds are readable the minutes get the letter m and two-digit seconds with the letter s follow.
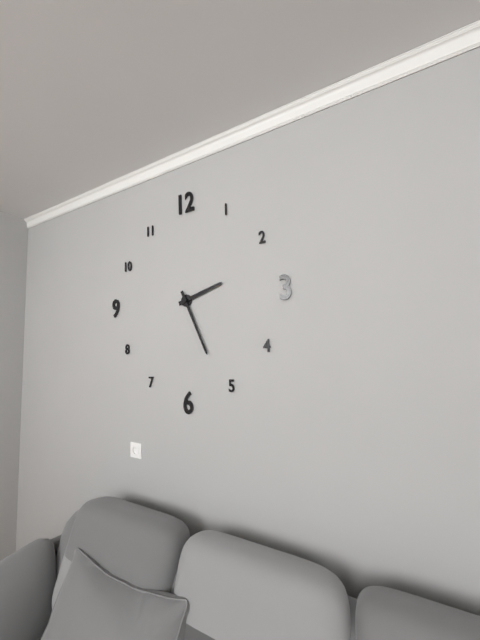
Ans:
2h26
